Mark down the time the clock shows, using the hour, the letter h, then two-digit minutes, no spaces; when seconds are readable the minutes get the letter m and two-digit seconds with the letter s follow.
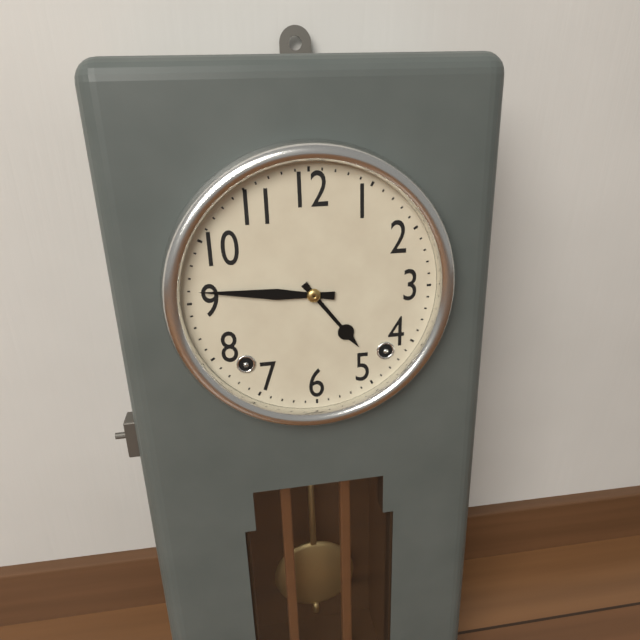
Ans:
4h46
